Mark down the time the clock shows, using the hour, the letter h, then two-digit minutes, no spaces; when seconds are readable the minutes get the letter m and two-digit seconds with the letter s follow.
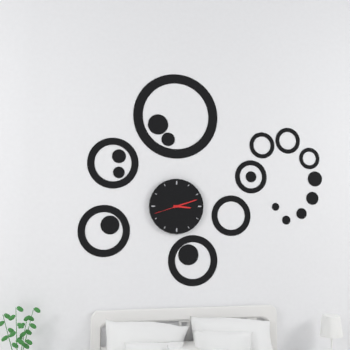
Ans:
3h12
